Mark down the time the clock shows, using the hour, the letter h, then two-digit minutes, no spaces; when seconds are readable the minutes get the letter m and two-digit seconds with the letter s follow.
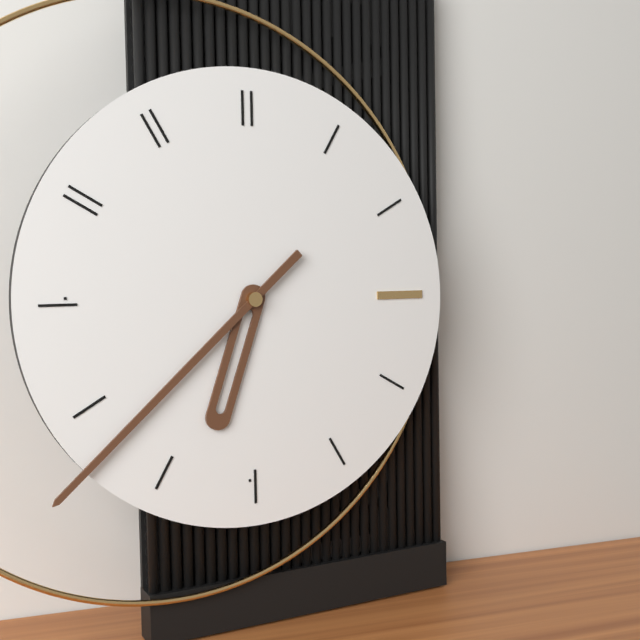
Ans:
6h38
